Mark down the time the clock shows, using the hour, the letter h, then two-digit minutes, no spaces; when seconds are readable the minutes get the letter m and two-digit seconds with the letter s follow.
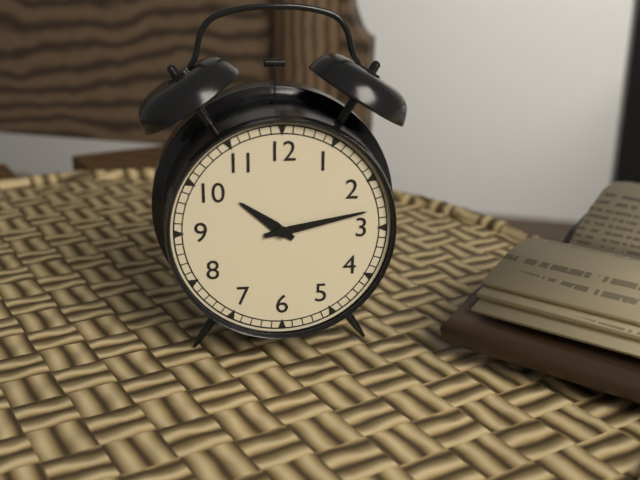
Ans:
10h13
